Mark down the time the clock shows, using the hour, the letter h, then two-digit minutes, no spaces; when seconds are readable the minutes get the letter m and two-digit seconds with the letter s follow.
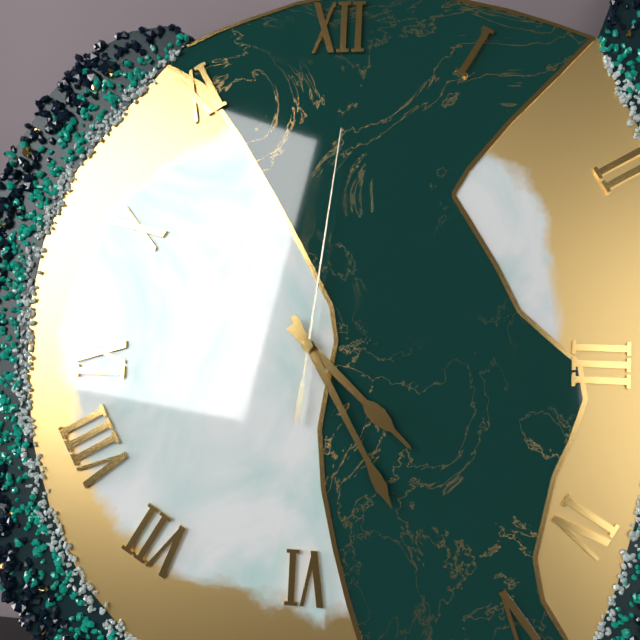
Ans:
4h25m01s
